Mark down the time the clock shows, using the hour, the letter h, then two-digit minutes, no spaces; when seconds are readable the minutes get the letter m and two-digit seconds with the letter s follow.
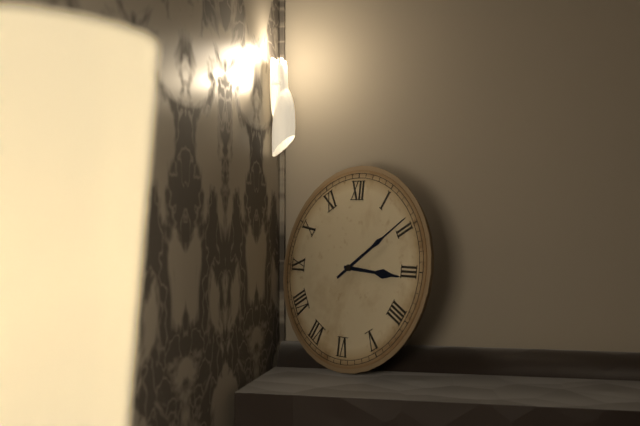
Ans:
3h09
